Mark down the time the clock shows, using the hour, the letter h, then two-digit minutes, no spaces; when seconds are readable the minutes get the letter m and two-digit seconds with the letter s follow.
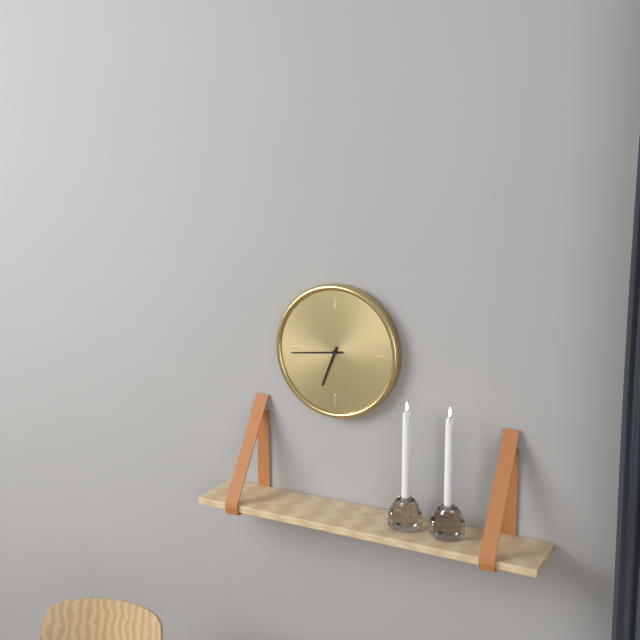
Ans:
6h44
